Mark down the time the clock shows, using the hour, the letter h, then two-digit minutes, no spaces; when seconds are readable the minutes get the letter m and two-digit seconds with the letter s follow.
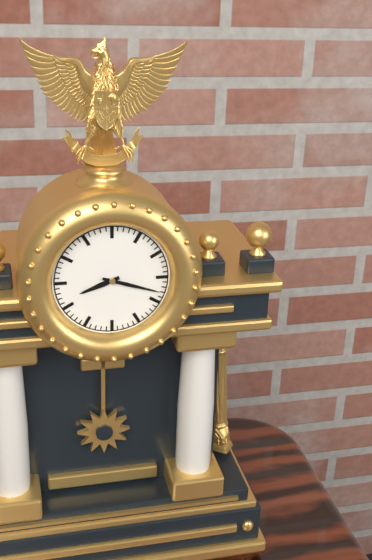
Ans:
8h18
